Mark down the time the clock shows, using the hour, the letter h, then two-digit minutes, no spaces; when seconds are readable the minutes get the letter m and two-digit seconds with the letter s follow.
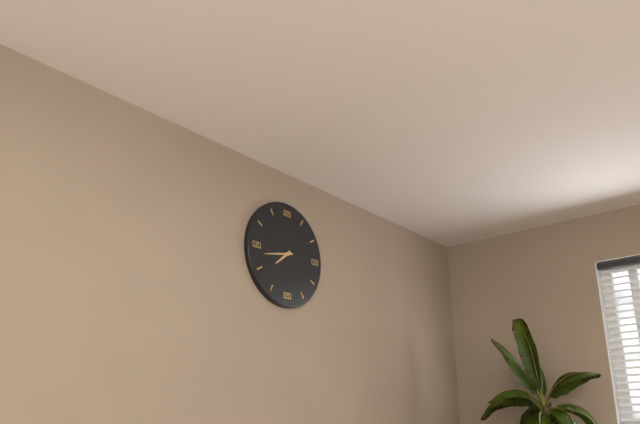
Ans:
7h43
